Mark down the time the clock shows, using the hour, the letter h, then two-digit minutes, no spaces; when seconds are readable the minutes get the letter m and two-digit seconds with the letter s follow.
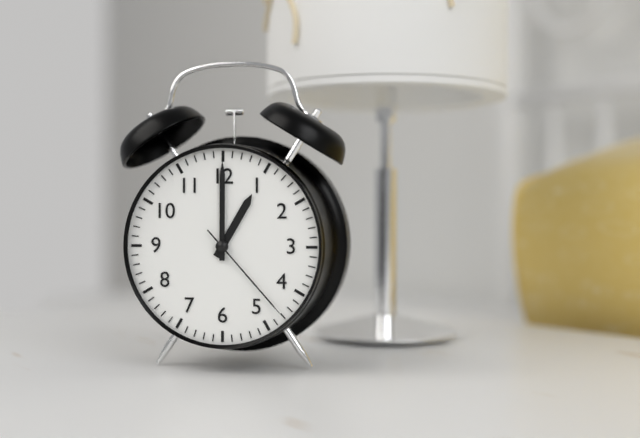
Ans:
1h00m23s
